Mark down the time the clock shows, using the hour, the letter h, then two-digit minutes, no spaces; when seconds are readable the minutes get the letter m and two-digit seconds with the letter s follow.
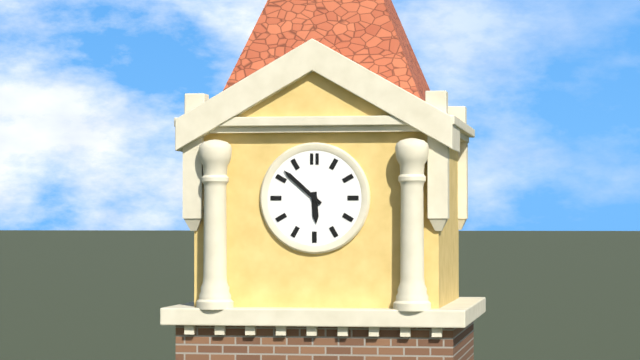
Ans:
5h52
